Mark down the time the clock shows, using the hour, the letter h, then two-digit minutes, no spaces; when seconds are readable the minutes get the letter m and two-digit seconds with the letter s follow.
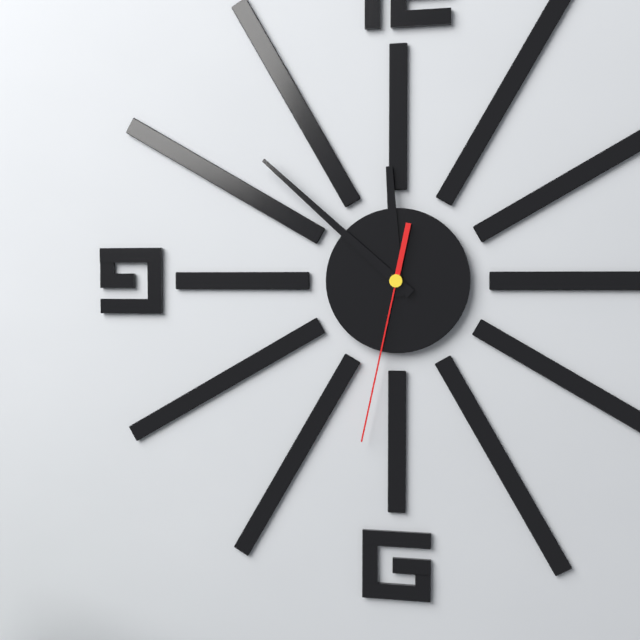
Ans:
11h52m32s
